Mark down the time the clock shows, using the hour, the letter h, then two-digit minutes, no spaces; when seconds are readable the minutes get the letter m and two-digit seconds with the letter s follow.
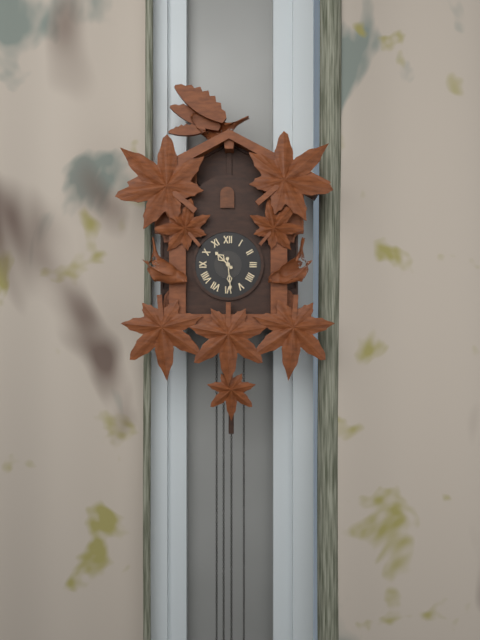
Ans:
10h29
